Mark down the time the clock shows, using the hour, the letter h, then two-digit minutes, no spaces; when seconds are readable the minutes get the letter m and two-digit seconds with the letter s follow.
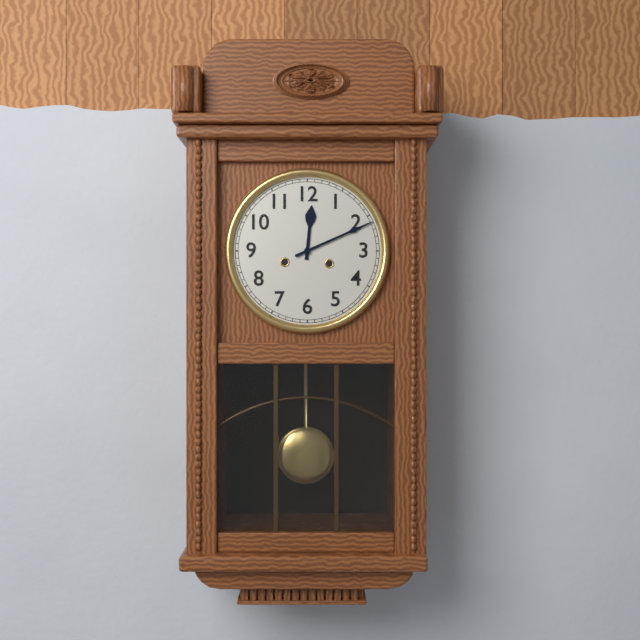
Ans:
12h11
